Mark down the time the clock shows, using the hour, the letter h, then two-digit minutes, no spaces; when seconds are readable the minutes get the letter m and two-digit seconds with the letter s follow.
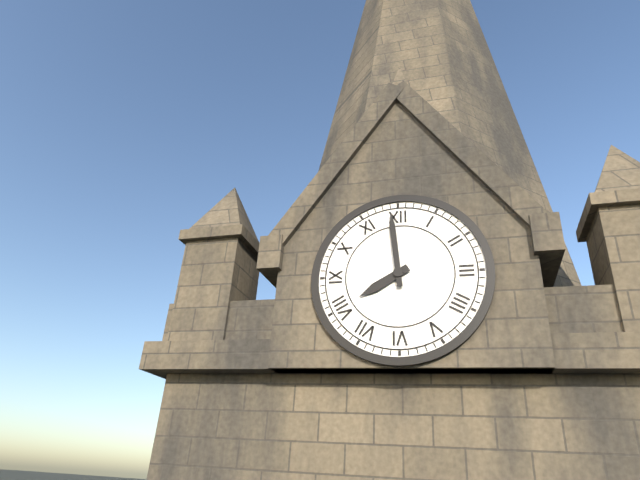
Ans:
7h59
